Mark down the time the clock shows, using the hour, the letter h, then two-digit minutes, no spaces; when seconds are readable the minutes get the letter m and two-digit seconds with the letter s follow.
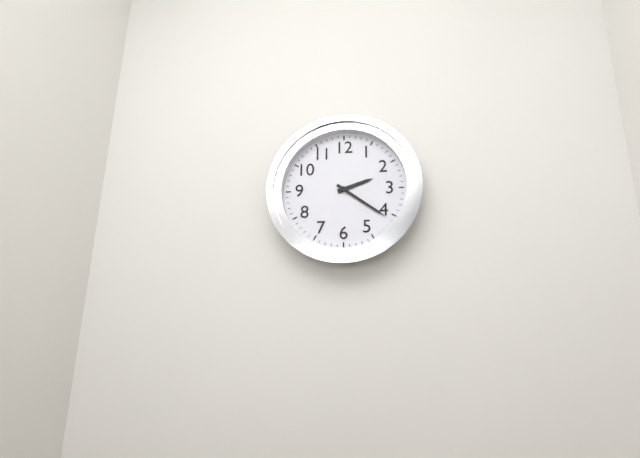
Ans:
2h21
